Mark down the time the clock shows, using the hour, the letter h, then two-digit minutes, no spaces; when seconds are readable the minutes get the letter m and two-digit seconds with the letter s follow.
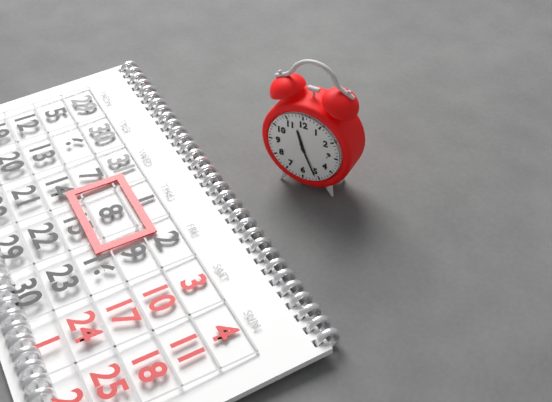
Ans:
11h26
